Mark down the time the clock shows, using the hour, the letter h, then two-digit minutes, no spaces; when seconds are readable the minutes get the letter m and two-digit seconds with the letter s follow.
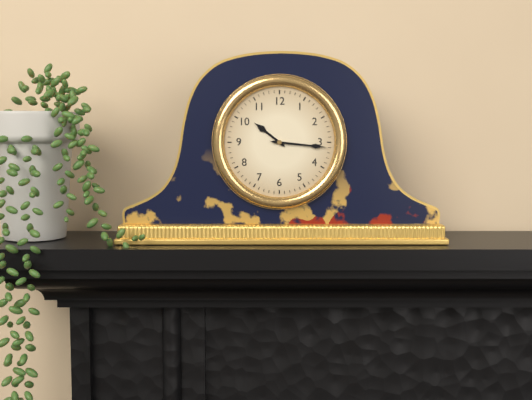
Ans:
10h16
